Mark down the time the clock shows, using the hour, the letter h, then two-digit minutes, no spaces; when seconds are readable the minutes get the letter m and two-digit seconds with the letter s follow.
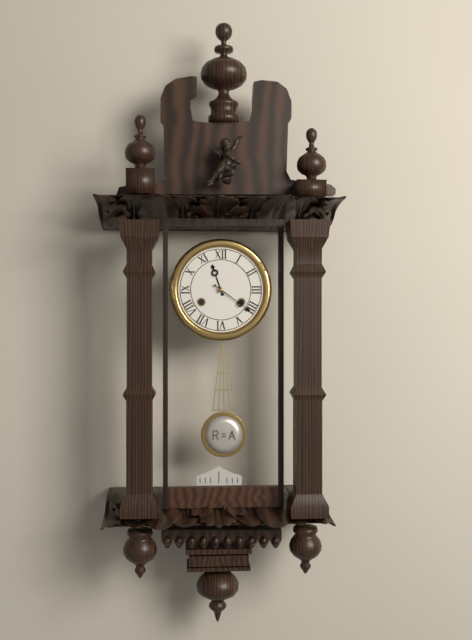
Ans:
11h21
